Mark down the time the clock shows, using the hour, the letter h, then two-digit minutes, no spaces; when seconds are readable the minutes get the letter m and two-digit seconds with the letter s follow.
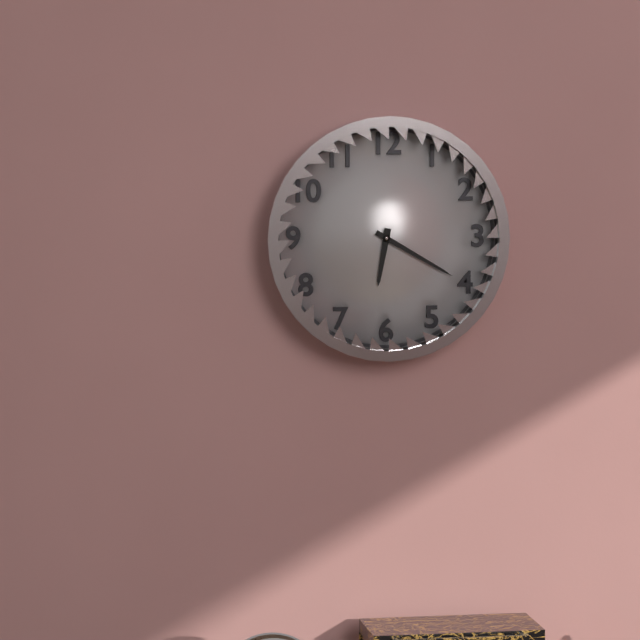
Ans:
6h20
